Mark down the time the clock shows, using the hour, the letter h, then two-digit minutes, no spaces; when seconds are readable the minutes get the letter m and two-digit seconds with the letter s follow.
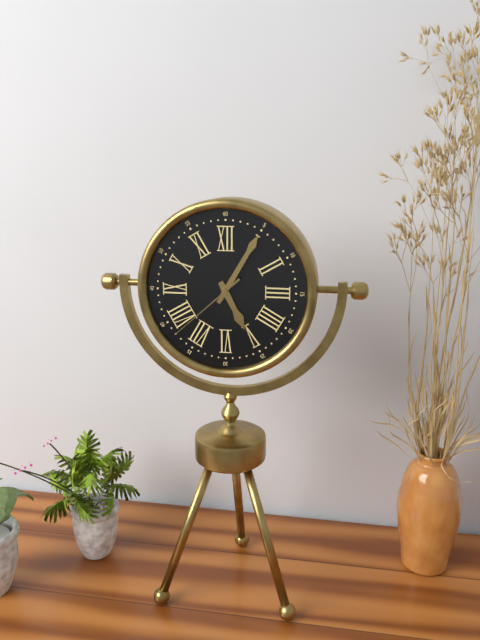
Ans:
5h05m38s
